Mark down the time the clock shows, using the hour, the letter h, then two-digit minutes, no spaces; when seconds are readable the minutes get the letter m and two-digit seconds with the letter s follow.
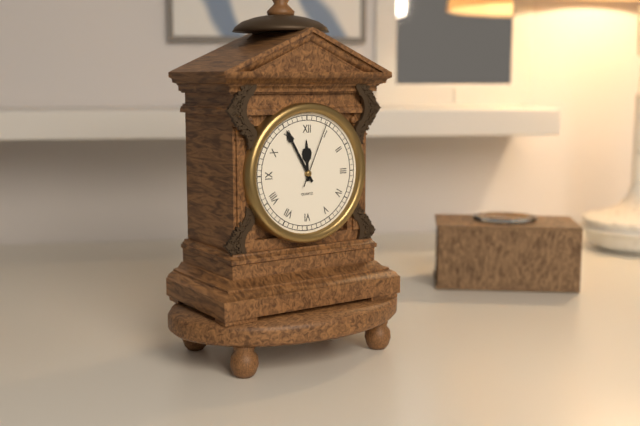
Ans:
11h55m04s
